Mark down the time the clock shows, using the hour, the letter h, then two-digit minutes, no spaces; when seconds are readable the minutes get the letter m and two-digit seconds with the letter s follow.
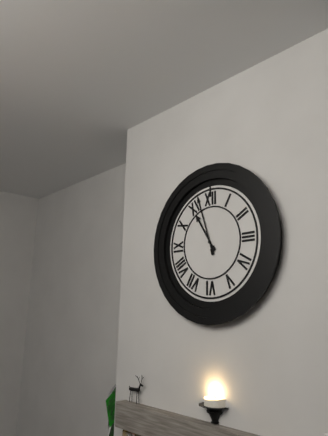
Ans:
10h57
